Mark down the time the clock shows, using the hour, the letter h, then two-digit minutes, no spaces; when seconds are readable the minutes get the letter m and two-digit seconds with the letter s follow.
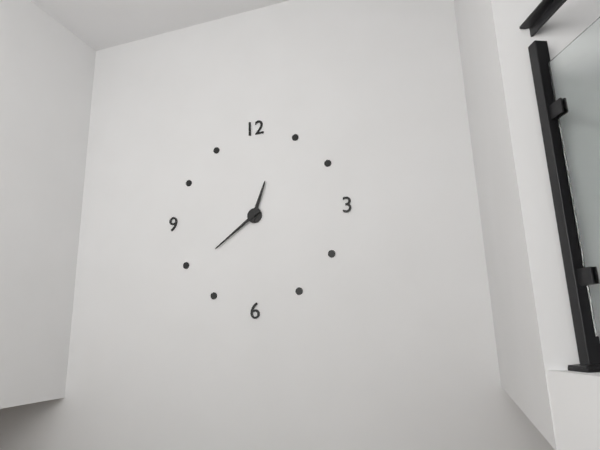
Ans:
12h39
